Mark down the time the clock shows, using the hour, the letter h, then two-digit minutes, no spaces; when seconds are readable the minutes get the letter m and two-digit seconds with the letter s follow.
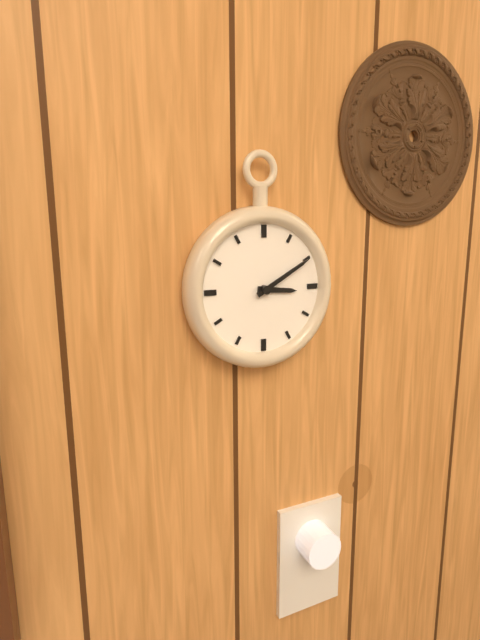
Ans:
3h10
